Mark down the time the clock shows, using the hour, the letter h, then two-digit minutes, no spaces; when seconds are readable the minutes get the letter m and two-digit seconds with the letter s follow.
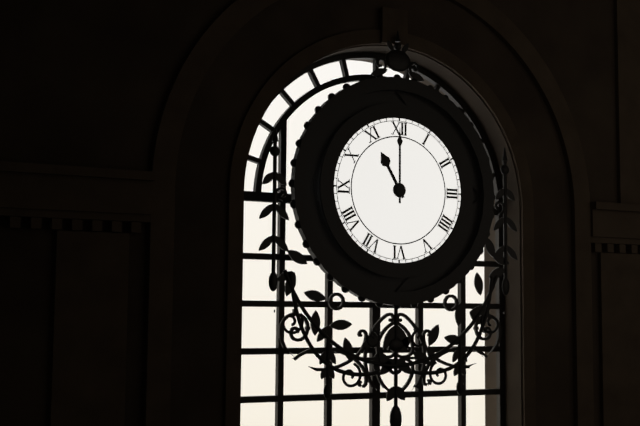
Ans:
11h00
